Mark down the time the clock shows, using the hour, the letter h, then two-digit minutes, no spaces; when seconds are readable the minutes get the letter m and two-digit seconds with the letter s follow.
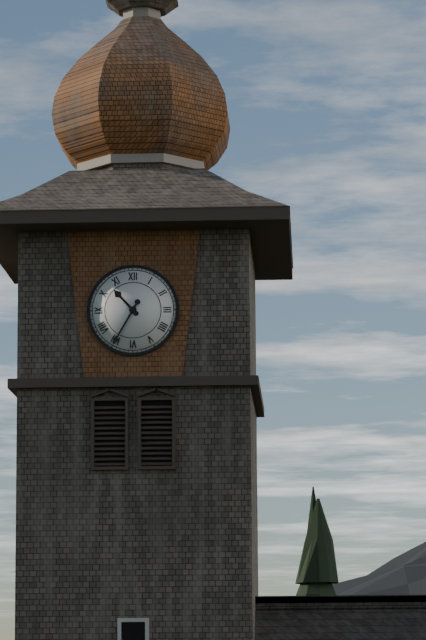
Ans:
10h35
